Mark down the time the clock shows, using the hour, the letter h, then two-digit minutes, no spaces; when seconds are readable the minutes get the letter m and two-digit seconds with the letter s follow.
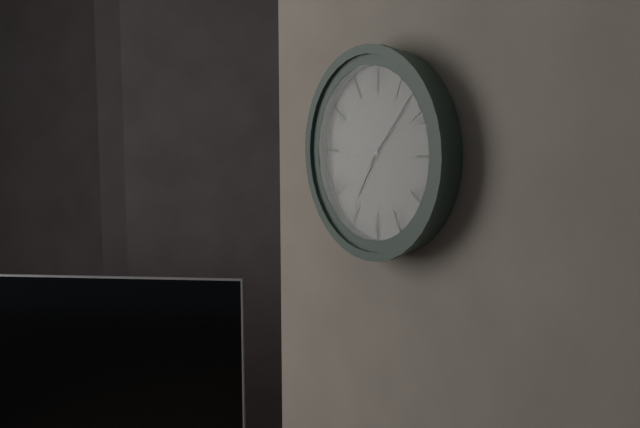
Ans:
7h07
